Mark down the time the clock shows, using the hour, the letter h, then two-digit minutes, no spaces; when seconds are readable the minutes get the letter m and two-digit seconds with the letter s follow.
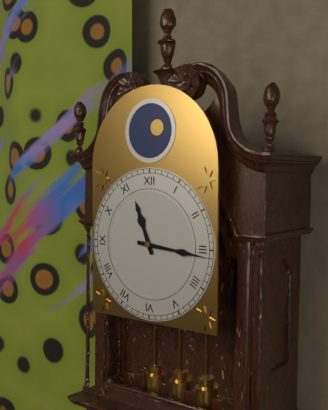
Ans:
11h16
